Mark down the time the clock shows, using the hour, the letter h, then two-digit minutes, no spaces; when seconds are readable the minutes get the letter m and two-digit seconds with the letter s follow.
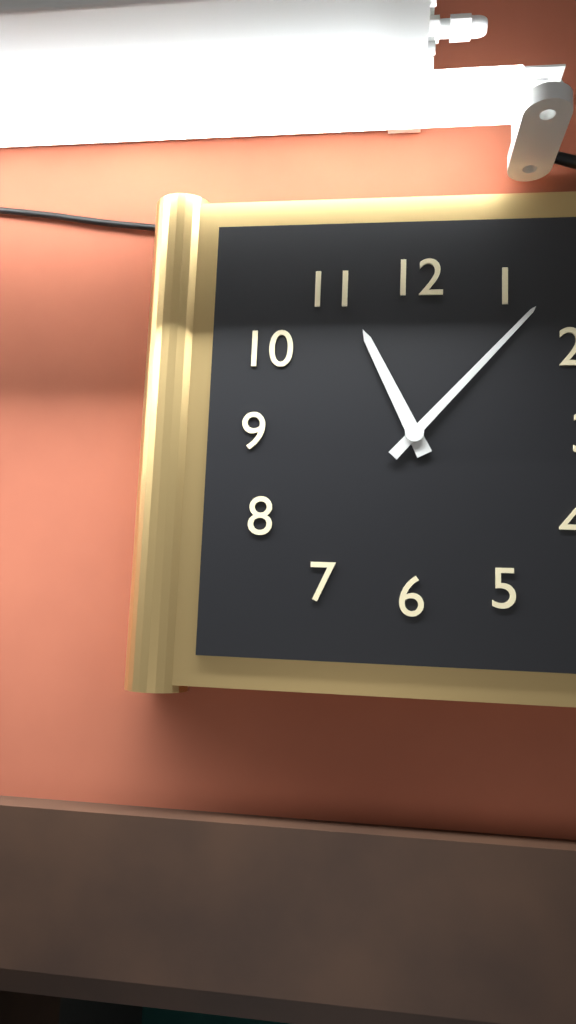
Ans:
11h07
